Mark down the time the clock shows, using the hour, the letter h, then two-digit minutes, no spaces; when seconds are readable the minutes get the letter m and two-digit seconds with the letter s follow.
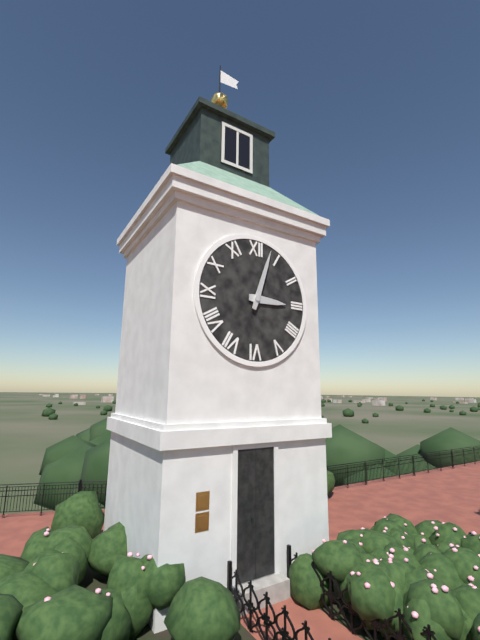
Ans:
3h03
